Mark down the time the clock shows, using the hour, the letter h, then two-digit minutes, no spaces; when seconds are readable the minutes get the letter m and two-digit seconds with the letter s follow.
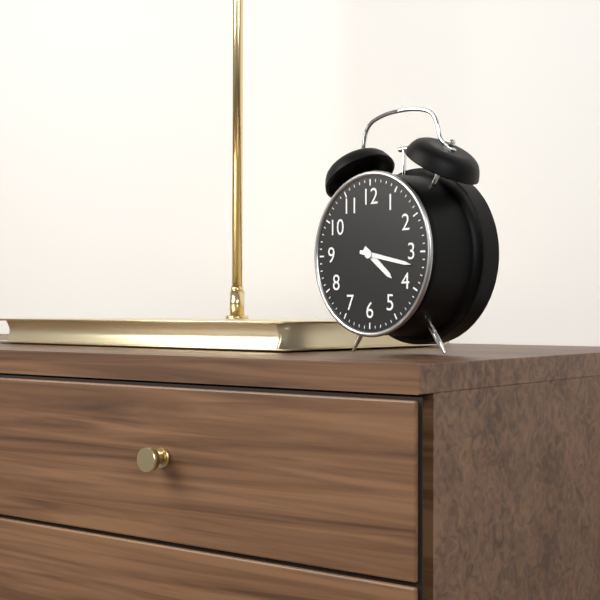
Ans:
4h17
